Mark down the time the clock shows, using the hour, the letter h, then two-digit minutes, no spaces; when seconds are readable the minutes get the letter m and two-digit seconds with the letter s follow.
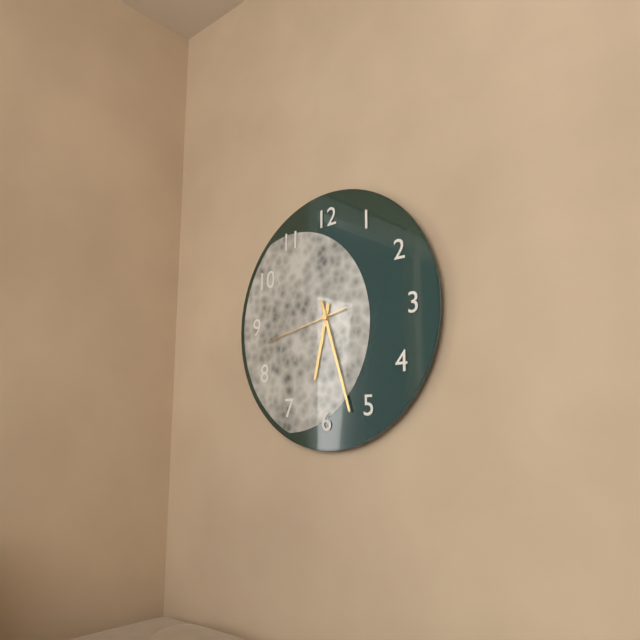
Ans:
6h27m43s
